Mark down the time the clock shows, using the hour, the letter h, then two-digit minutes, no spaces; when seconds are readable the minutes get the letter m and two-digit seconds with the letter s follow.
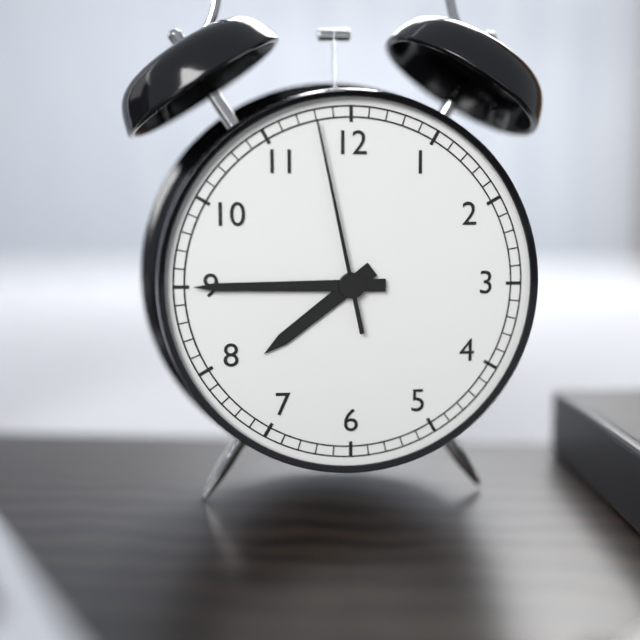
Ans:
7h45m58s
